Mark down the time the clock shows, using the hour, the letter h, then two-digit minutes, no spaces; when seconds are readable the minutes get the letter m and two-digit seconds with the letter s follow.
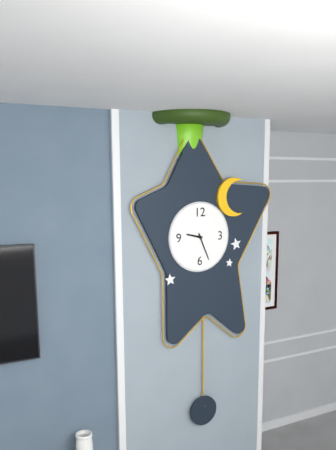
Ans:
9h26
